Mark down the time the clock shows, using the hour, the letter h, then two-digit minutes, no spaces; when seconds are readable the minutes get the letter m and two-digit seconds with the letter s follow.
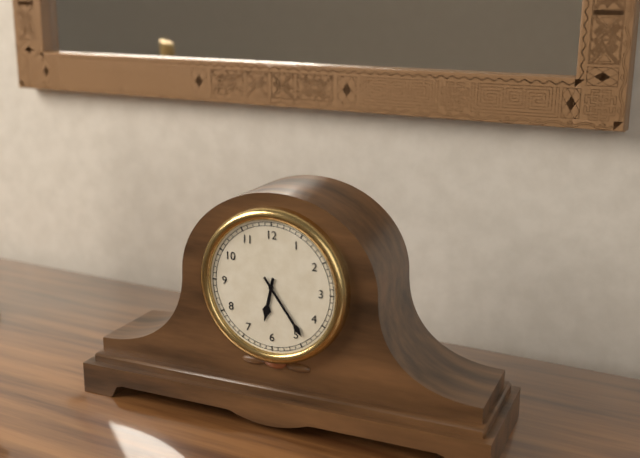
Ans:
6h24
